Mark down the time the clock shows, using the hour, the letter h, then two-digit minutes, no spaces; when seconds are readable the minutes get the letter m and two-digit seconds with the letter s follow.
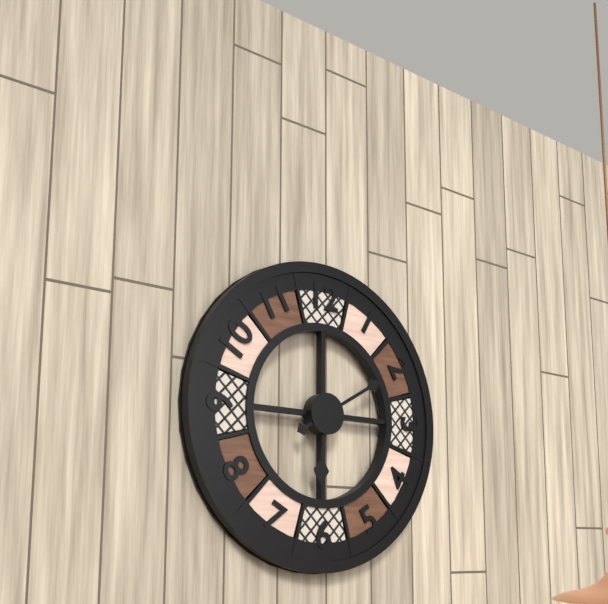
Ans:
6h10
